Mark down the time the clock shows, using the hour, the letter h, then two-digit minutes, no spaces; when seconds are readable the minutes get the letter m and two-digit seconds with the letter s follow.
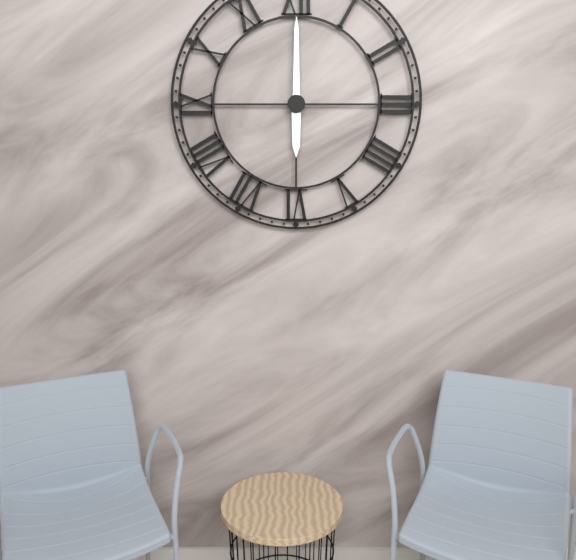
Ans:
6h00
